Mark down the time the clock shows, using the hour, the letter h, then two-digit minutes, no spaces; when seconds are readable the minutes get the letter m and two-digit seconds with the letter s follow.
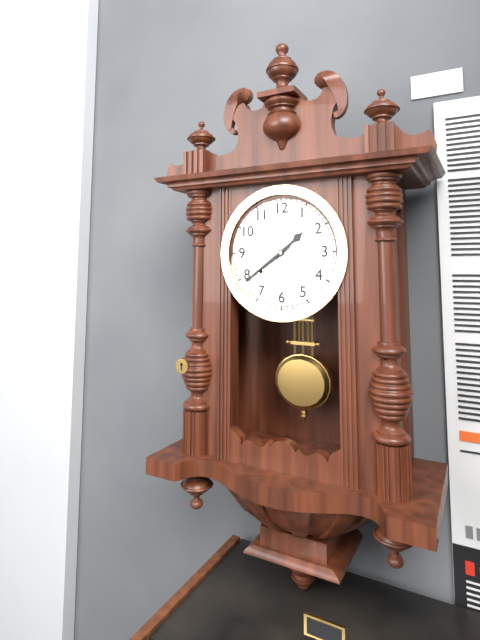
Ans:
1h39
